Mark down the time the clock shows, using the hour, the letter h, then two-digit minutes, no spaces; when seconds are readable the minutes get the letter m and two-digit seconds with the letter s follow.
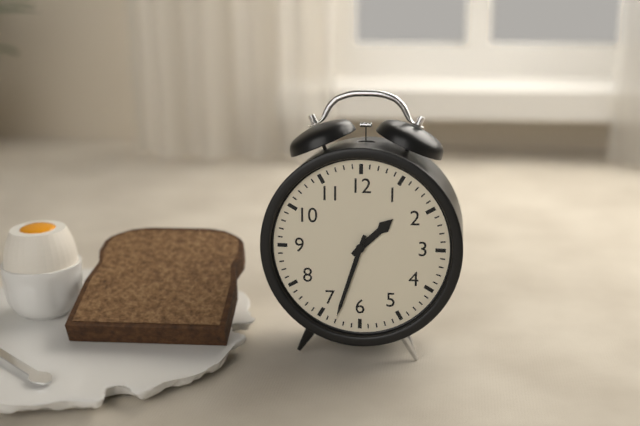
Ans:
1h33
